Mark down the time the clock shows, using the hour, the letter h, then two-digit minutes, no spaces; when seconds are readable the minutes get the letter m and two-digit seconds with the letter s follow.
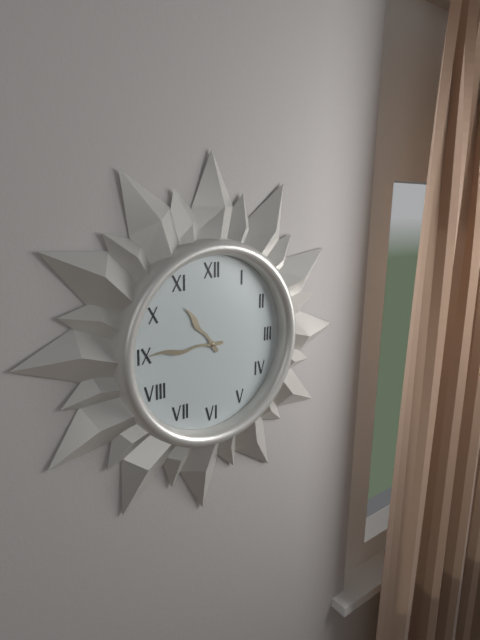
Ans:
10h45
